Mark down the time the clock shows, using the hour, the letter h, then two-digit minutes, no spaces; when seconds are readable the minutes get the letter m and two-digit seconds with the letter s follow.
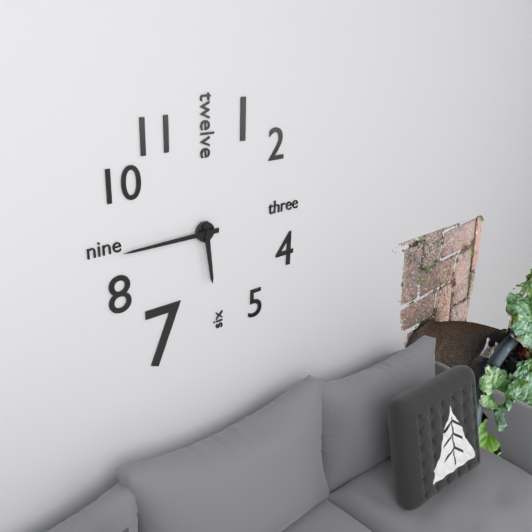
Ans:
5h45
